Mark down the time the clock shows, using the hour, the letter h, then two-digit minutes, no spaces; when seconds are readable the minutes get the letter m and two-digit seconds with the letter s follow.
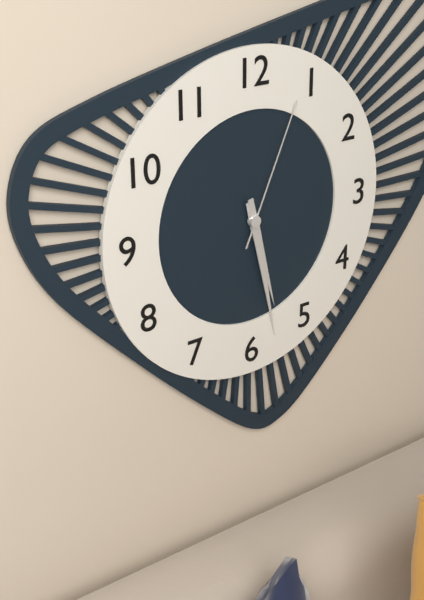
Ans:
5h28m04s
